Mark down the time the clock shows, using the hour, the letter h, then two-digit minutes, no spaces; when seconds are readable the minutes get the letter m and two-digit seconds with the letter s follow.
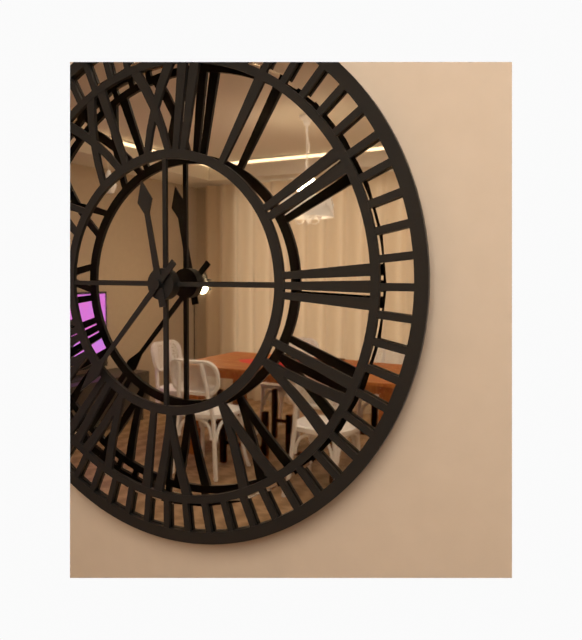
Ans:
11h37
